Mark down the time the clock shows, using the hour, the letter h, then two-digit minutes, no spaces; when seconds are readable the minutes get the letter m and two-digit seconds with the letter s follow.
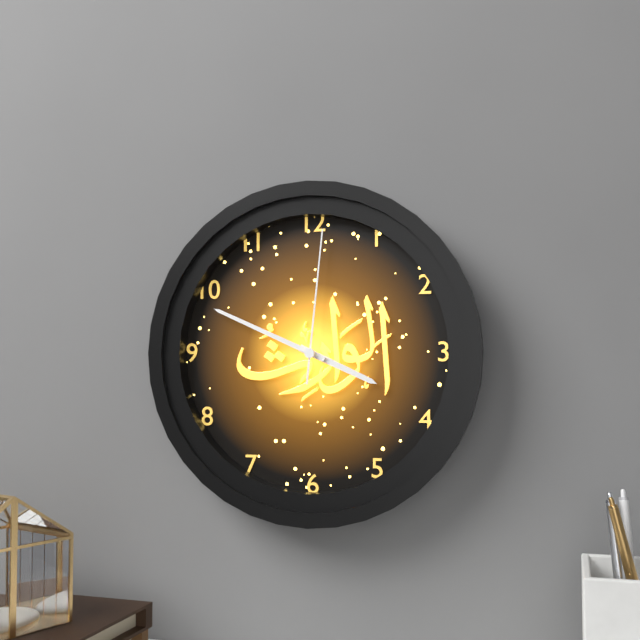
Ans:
3h49m01s
